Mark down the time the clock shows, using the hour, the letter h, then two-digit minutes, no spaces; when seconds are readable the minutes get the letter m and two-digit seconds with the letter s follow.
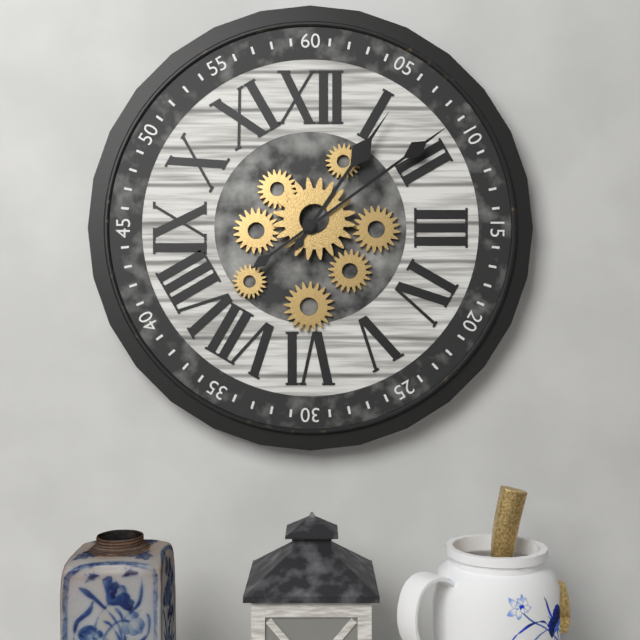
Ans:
1h09
